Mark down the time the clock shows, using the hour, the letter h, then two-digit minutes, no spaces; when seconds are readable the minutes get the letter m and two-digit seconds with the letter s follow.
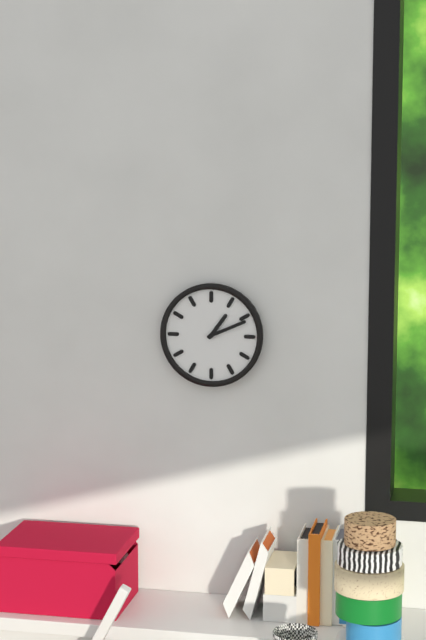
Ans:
1h11
